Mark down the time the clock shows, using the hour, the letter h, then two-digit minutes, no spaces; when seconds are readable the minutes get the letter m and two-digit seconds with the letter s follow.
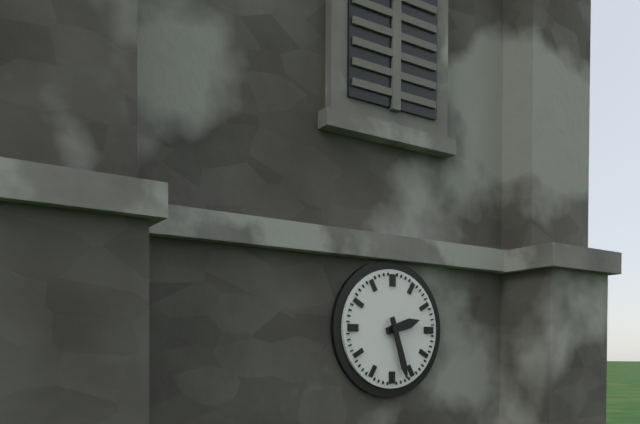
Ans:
2h27
